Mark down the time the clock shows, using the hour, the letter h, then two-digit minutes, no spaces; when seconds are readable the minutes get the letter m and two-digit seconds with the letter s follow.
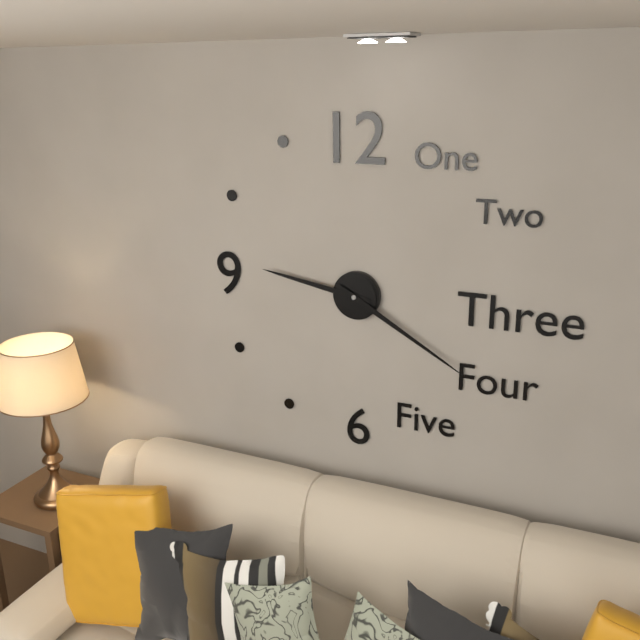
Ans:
9h20
